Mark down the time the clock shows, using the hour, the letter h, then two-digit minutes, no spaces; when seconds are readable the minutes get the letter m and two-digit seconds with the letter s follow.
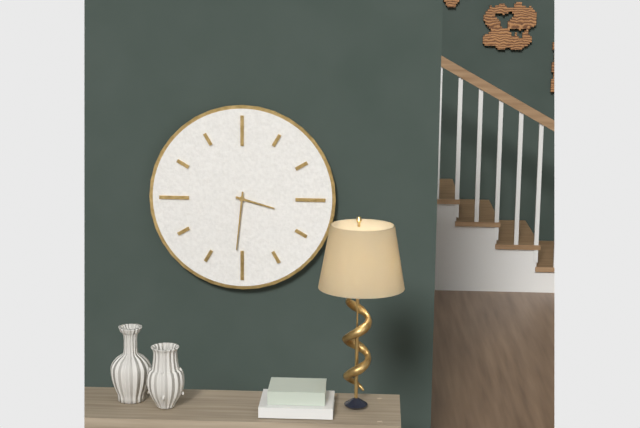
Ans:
3h31
